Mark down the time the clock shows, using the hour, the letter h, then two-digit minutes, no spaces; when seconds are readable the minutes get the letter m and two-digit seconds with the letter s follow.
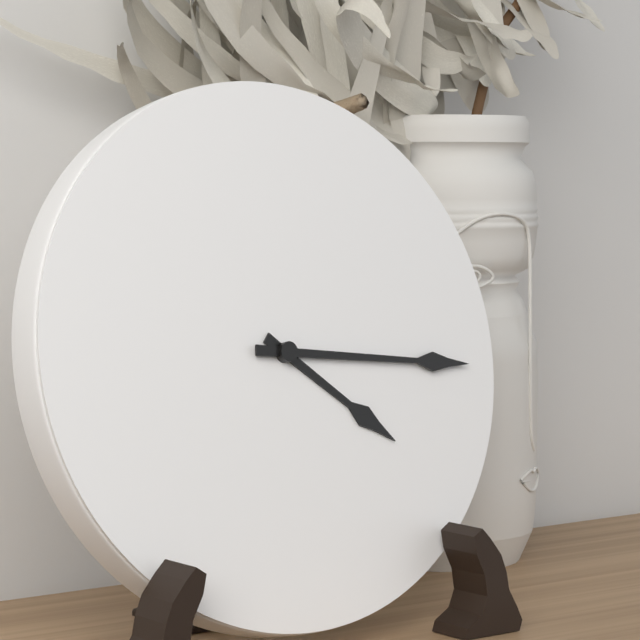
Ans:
4h16
